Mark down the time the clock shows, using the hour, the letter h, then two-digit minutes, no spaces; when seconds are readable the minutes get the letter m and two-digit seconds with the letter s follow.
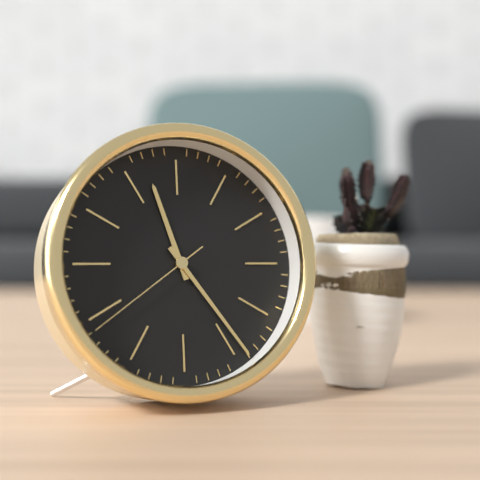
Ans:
11h24m39s
